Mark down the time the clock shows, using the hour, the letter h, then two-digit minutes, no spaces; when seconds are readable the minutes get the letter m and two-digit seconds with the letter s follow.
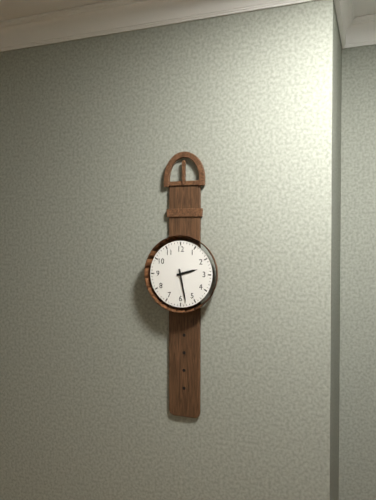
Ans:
2h28
